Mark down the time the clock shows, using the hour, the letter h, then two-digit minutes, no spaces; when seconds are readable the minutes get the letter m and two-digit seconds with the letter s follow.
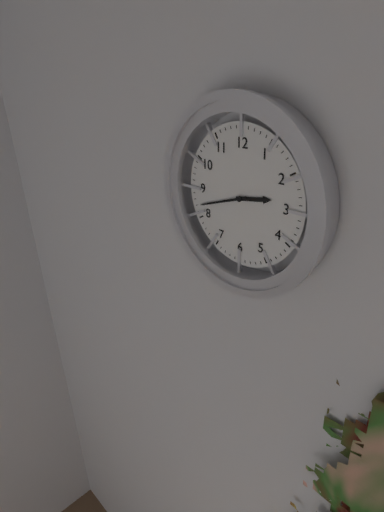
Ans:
2h42
